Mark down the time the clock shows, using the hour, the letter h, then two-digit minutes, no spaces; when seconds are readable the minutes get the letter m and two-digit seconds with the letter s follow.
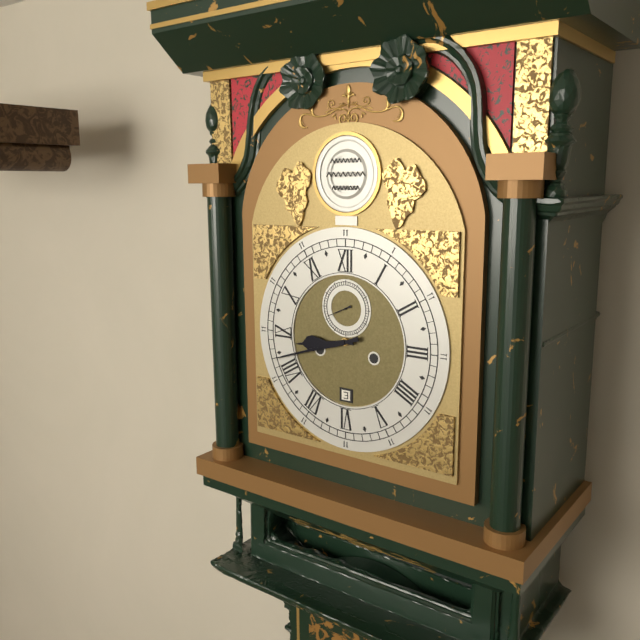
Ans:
8h42
